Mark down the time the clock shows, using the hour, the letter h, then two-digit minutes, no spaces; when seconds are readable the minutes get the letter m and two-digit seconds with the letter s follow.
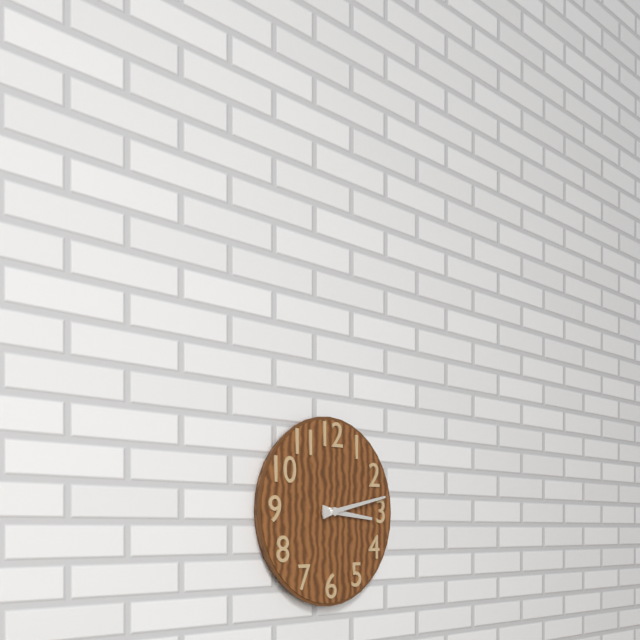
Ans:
3h13
